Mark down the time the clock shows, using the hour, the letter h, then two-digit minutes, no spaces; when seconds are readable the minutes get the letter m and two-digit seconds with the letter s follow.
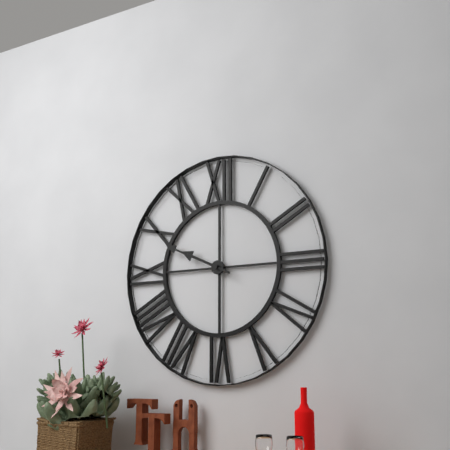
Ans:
9h49
